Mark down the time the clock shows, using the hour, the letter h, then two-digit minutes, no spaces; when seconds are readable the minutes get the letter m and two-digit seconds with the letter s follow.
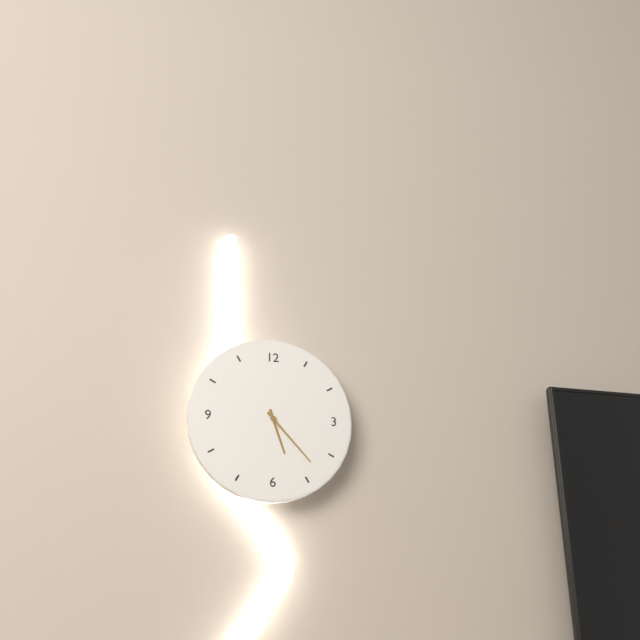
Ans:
5h23
